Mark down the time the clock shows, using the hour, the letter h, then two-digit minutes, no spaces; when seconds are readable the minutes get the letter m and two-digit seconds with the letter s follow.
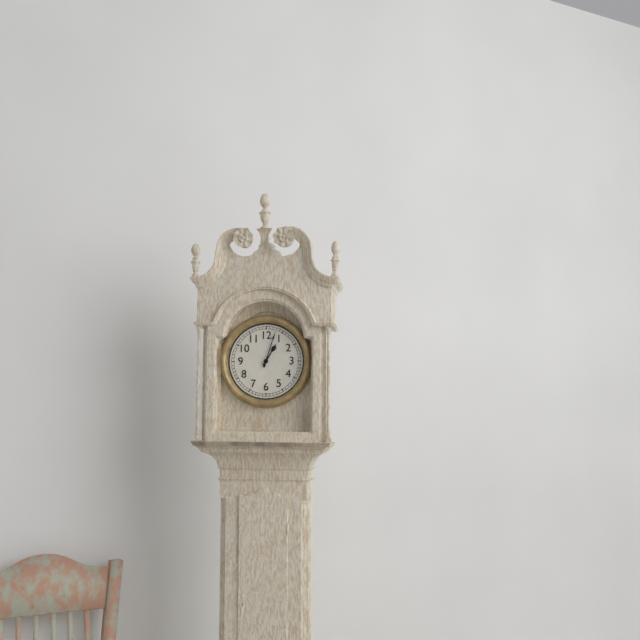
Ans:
1h03
